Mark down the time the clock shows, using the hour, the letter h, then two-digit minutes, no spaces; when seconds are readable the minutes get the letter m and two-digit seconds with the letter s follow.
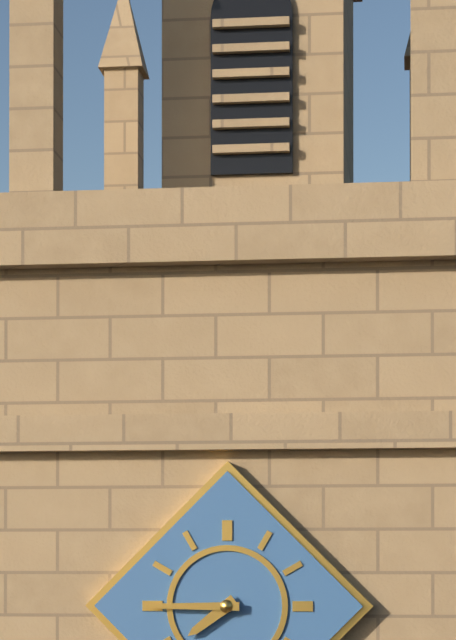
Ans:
7h45
